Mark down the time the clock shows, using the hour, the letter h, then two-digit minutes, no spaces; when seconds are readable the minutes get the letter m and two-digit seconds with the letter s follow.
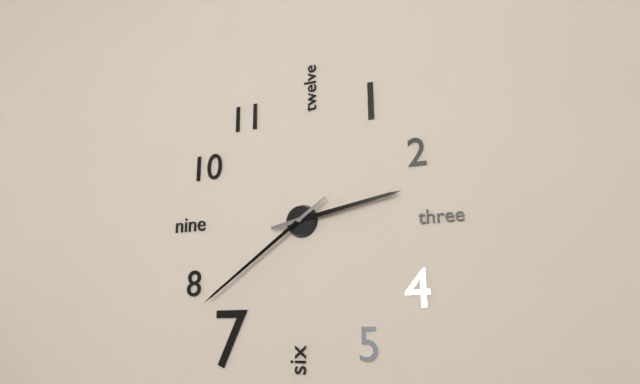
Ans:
2h39
